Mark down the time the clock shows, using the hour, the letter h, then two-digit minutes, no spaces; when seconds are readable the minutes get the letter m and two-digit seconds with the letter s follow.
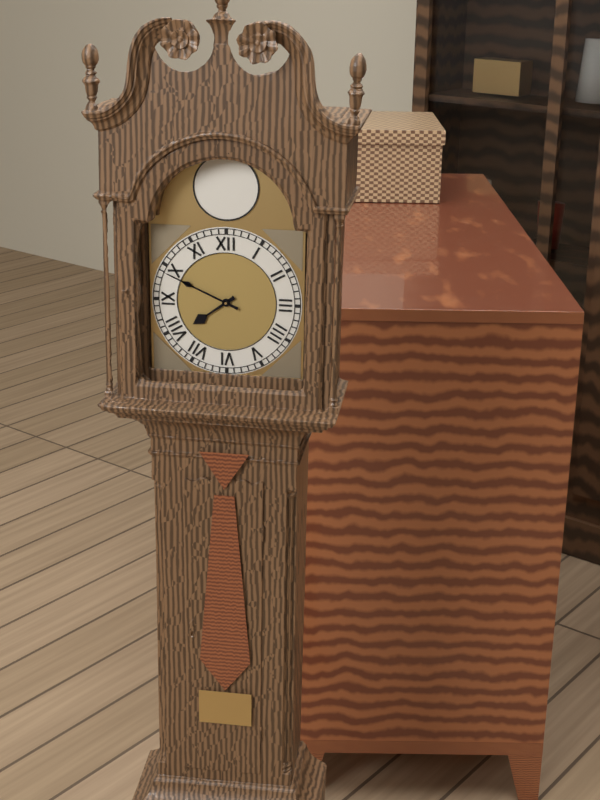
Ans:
7h49
